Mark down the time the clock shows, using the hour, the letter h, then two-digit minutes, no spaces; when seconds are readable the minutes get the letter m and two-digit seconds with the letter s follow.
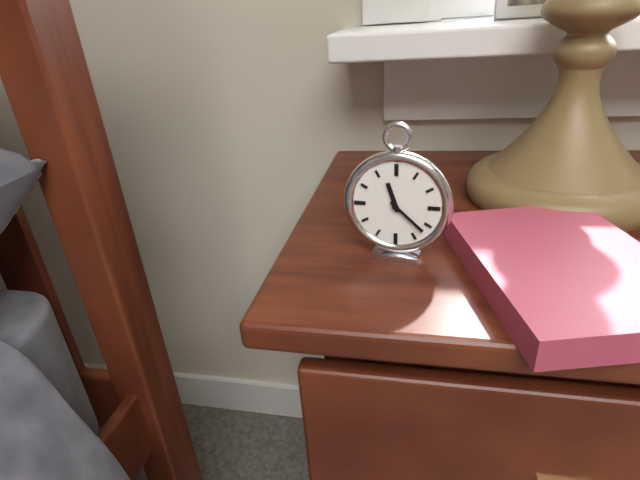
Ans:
11h22
